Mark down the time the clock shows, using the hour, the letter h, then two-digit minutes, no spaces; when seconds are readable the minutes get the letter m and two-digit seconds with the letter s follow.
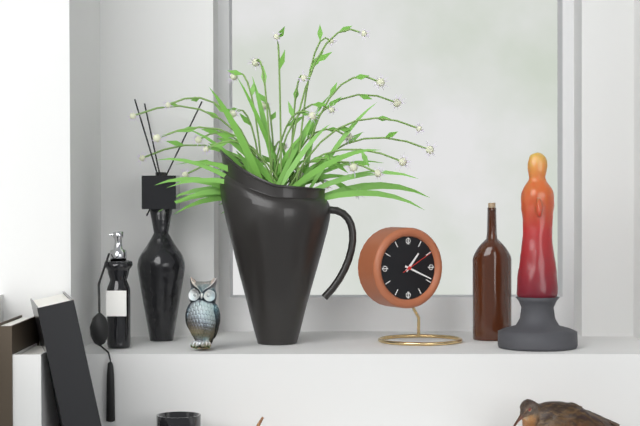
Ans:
1h19
